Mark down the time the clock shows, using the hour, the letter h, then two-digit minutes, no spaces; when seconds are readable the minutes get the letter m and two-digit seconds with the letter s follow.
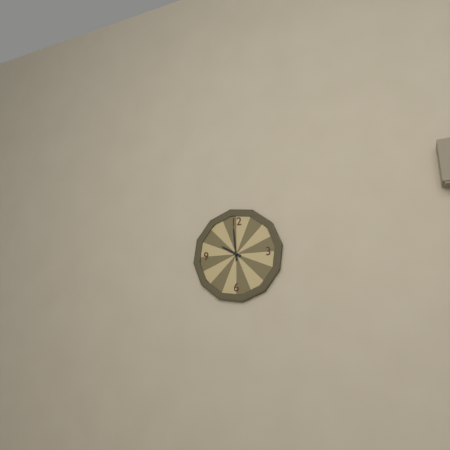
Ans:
9h59
